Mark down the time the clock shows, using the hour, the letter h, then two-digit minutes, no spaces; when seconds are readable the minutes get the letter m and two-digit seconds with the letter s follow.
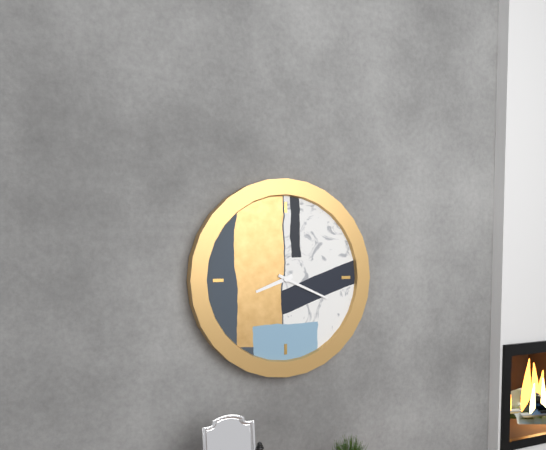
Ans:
8h19
